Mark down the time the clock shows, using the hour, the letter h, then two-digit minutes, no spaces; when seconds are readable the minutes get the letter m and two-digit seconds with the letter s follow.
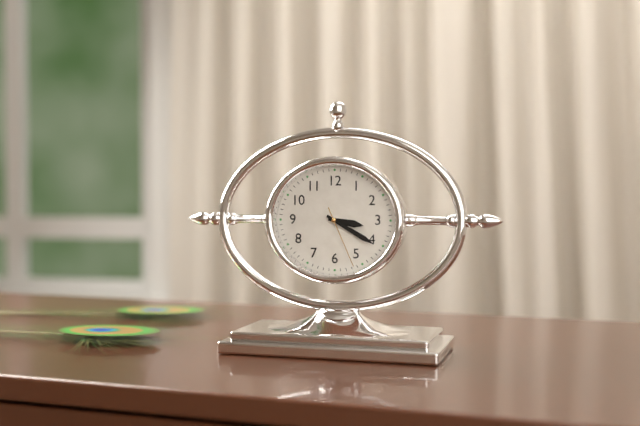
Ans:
3h20m26s
